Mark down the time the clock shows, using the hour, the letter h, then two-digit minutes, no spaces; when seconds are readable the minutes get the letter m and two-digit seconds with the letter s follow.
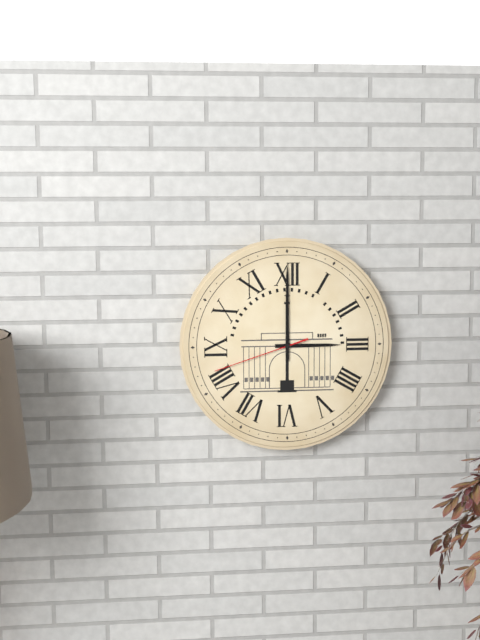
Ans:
3h00m42s
